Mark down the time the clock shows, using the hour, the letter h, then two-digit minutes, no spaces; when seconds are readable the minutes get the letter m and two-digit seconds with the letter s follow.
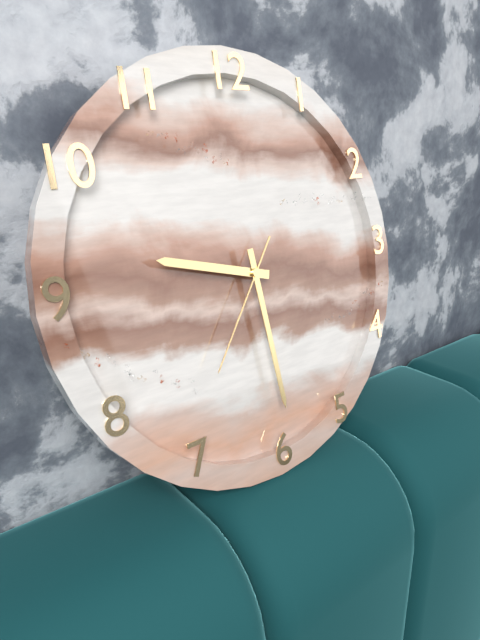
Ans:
9h29m36s
